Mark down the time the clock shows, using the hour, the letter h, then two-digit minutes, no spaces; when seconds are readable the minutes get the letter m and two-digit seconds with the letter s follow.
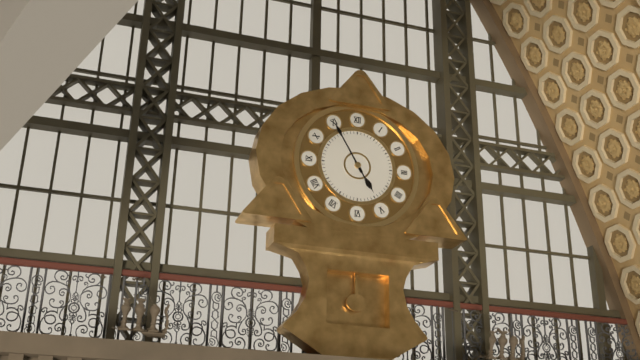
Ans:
4h55
